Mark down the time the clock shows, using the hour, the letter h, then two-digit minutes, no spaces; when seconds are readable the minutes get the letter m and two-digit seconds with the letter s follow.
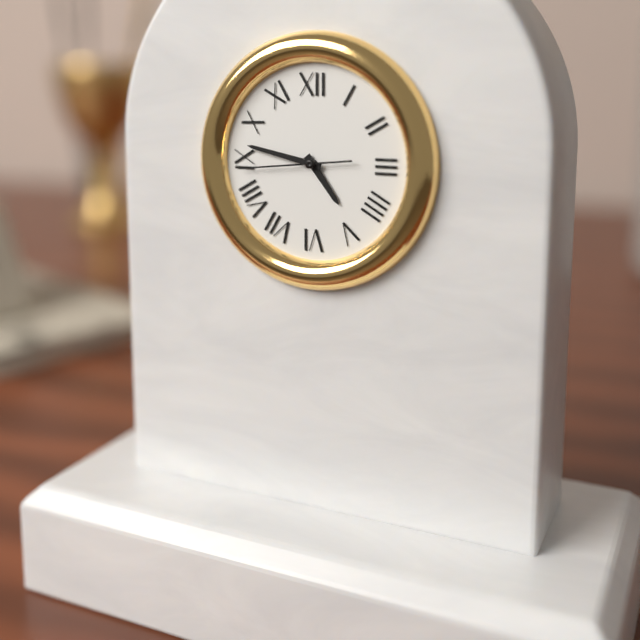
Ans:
4h47m44s
